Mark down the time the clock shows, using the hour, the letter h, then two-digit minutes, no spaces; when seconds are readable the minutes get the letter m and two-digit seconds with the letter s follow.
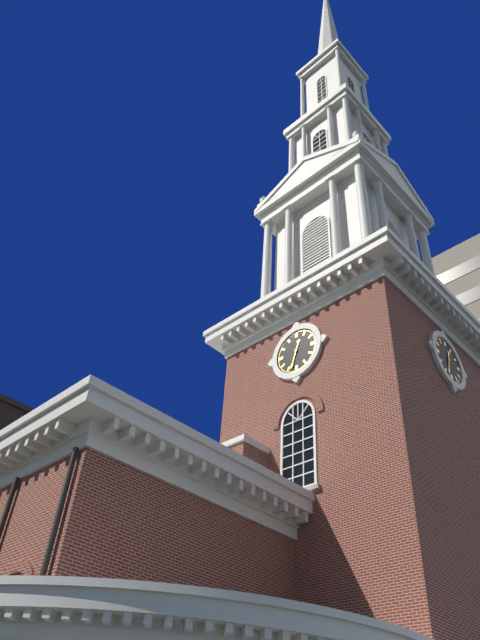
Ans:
12h33
